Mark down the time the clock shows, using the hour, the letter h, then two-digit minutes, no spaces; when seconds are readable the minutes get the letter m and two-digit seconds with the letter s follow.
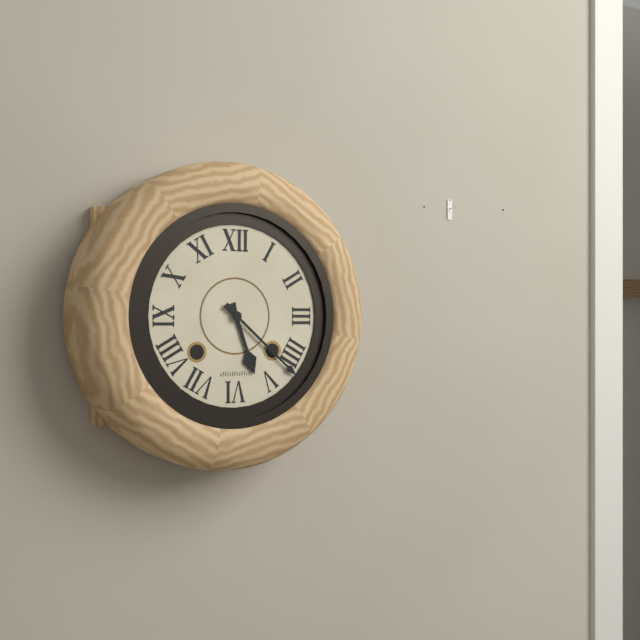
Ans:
5h22
